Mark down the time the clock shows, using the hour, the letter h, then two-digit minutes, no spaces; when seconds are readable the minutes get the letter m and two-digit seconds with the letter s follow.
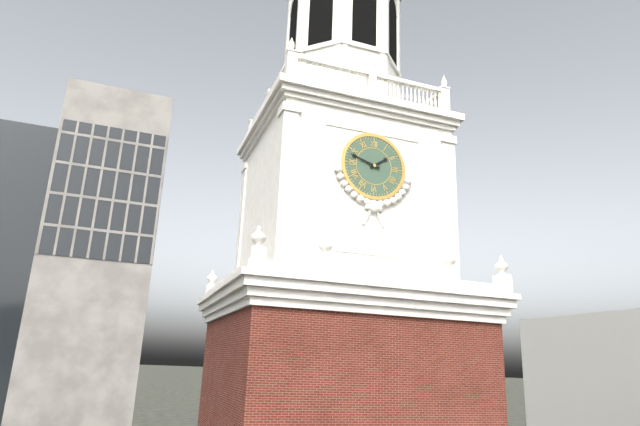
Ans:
1h48
